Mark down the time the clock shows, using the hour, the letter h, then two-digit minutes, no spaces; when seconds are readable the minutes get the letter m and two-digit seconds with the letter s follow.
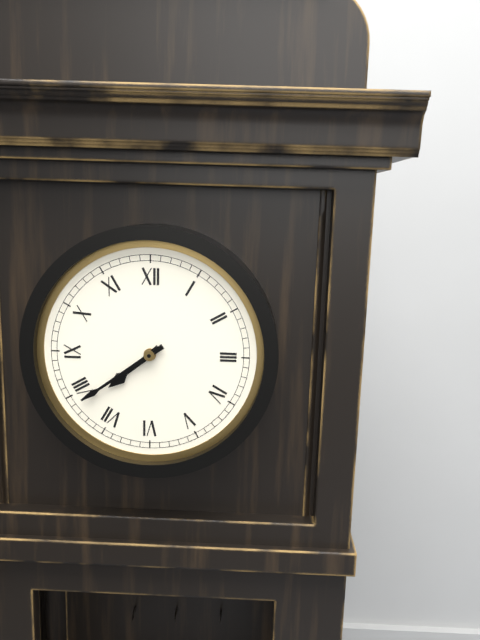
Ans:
7h39
